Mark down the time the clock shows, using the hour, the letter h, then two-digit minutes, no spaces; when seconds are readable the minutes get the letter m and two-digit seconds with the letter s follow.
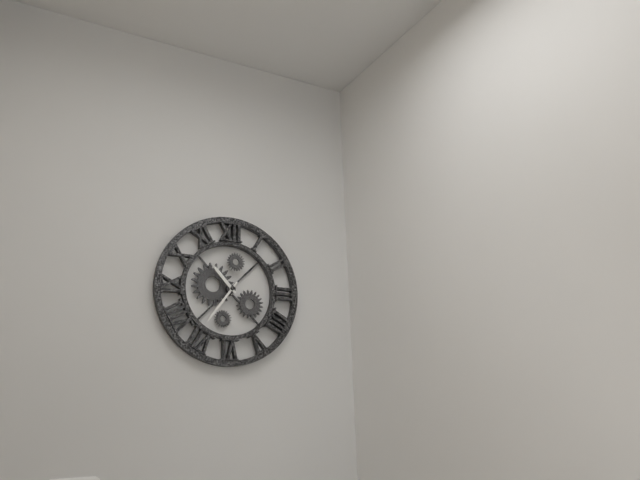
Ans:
10h36
